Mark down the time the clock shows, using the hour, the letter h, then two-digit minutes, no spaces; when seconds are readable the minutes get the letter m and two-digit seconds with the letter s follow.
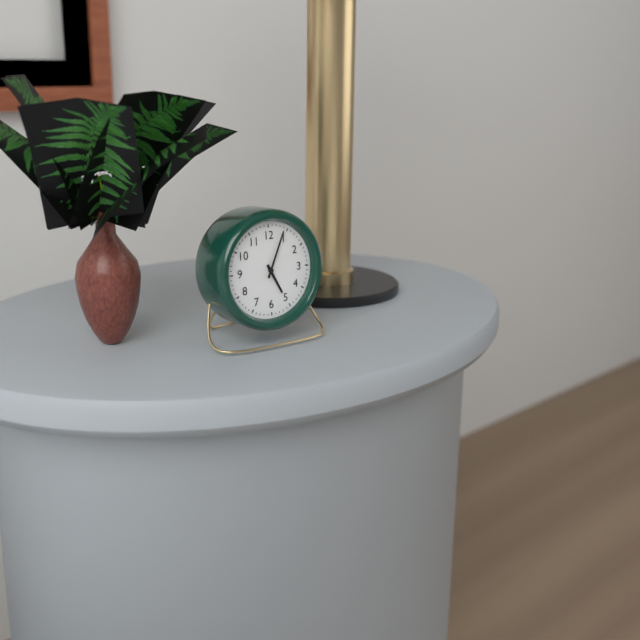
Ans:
5h04
